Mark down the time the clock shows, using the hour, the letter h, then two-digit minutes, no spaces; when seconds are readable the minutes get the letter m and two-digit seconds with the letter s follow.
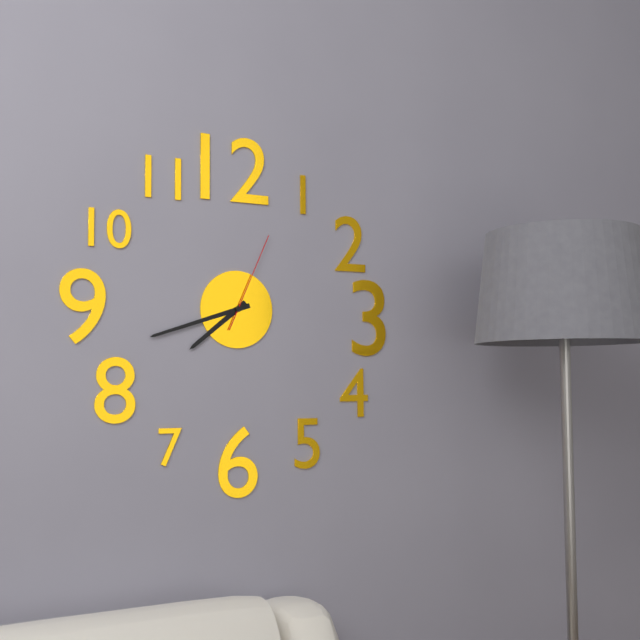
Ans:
7h42m04s
